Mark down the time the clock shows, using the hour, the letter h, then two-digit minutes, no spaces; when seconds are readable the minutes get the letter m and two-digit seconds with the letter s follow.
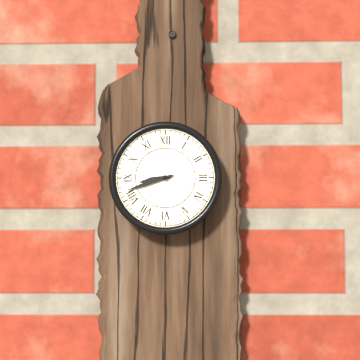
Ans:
8h42
